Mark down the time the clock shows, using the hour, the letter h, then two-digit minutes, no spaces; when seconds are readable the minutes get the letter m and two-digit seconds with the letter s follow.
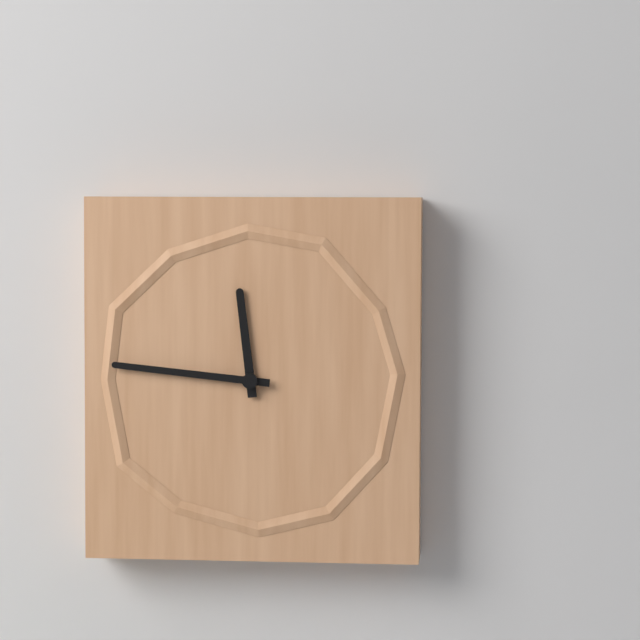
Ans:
11h46
